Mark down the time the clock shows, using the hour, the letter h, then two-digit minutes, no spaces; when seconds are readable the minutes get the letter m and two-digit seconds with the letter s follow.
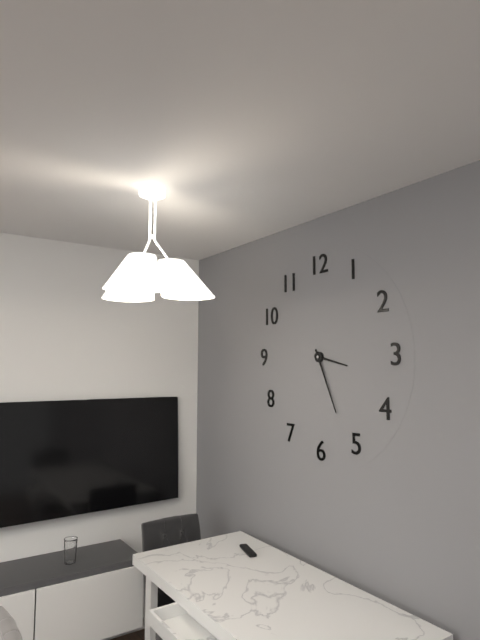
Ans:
3h26
